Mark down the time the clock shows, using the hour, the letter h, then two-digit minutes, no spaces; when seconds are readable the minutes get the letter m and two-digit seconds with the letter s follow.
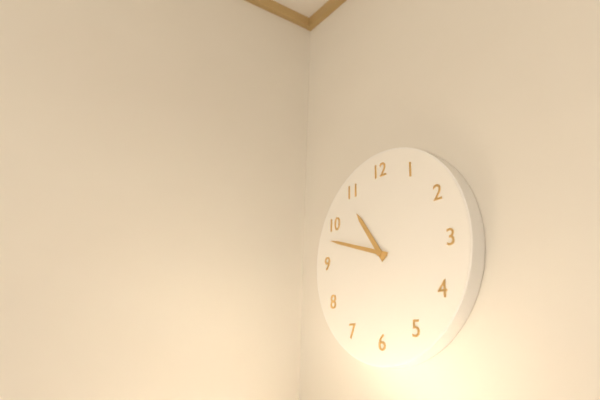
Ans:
10h48
